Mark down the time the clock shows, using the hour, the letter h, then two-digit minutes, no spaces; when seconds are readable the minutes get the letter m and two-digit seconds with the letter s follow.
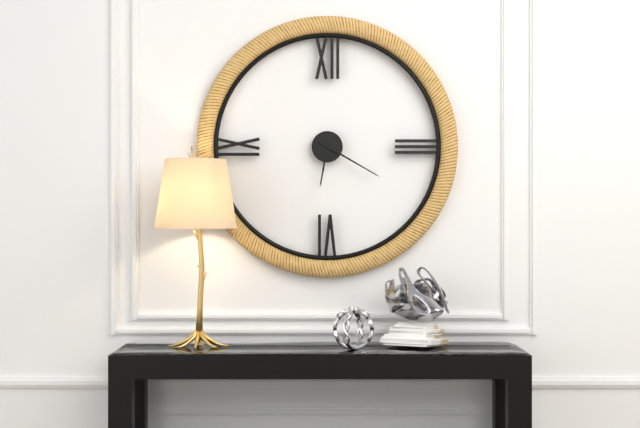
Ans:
6h20
